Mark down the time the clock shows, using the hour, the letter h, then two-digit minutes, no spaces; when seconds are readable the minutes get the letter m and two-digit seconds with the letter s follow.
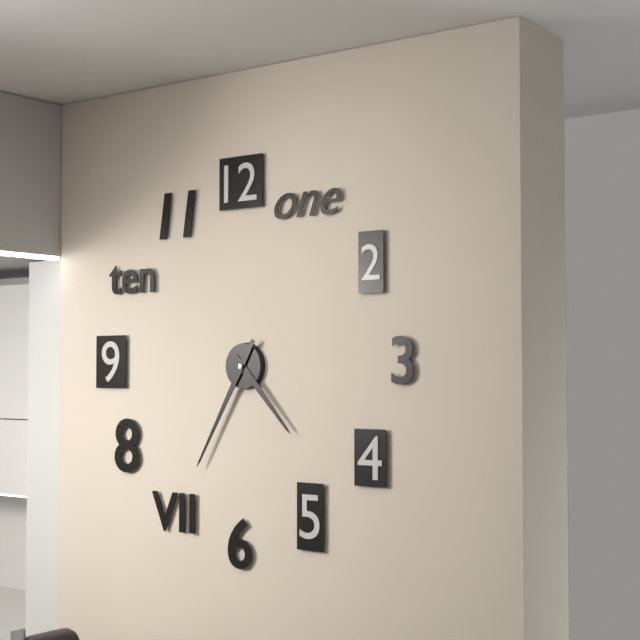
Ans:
4h35
